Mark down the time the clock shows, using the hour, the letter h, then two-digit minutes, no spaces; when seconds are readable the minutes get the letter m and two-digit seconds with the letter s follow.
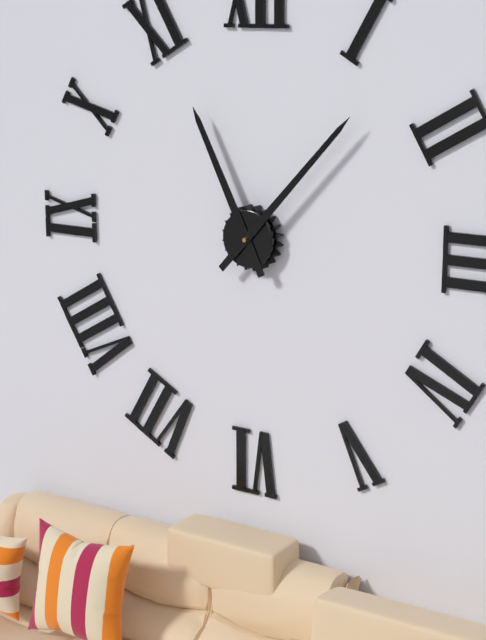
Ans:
11h07
